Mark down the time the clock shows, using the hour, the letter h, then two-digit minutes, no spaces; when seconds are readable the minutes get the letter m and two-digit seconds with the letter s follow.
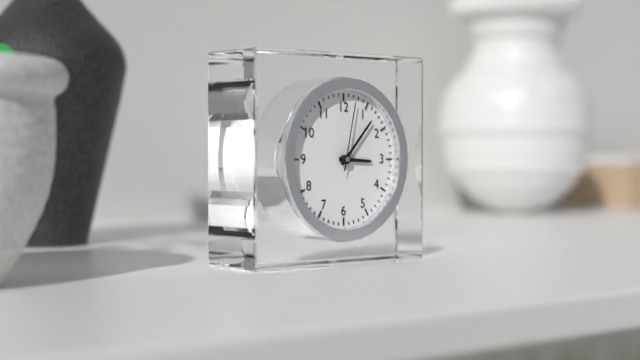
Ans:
3h07m02s
